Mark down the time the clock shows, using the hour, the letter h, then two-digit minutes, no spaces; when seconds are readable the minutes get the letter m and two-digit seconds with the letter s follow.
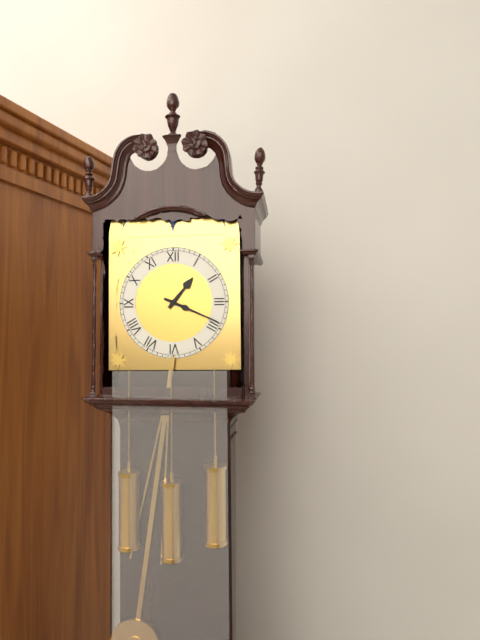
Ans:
1h19
